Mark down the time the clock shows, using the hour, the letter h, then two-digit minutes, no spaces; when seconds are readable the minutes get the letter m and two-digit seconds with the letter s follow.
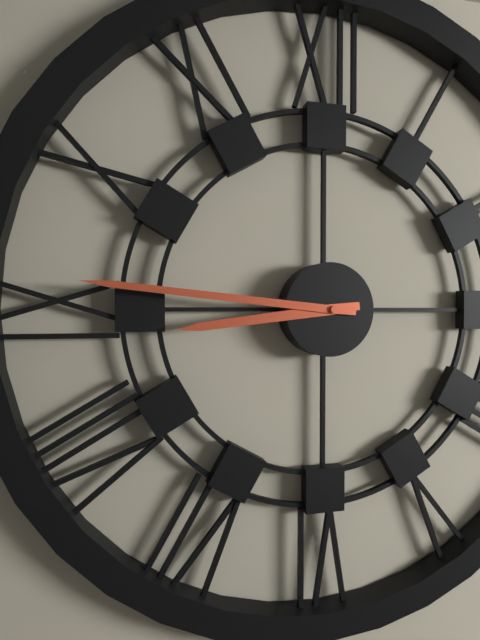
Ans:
8h46
